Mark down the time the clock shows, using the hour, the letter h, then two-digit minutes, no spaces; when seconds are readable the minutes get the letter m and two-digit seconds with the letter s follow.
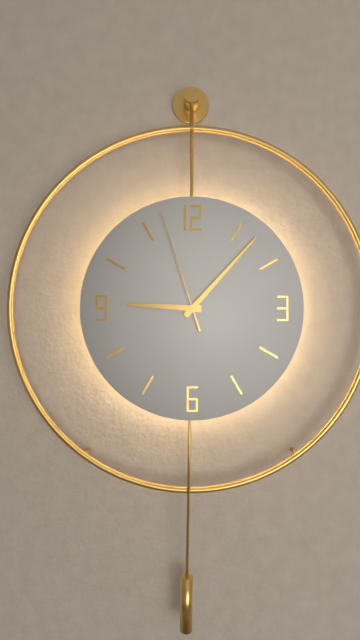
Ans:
9h07m57s
